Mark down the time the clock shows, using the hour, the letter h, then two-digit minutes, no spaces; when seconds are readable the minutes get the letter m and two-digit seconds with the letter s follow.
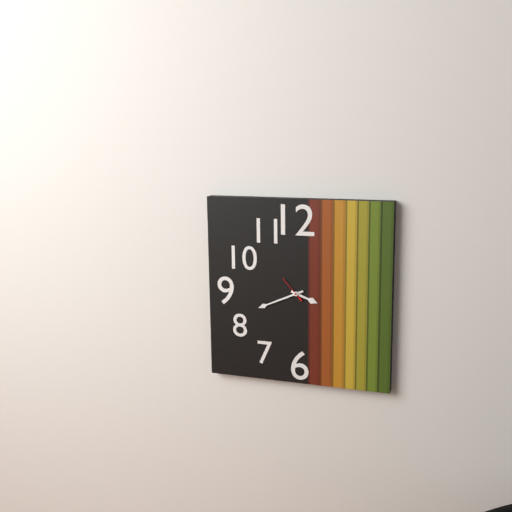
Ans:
3h41
